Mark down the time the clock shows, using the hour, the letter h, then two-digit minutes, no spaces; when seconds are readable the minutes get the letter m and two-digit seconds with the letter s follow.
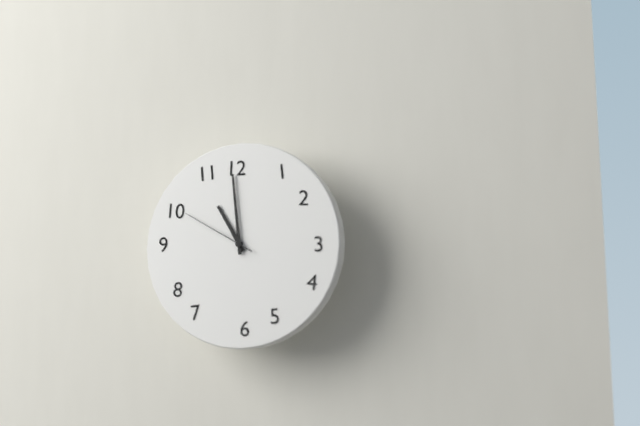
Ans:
10h59m50s
